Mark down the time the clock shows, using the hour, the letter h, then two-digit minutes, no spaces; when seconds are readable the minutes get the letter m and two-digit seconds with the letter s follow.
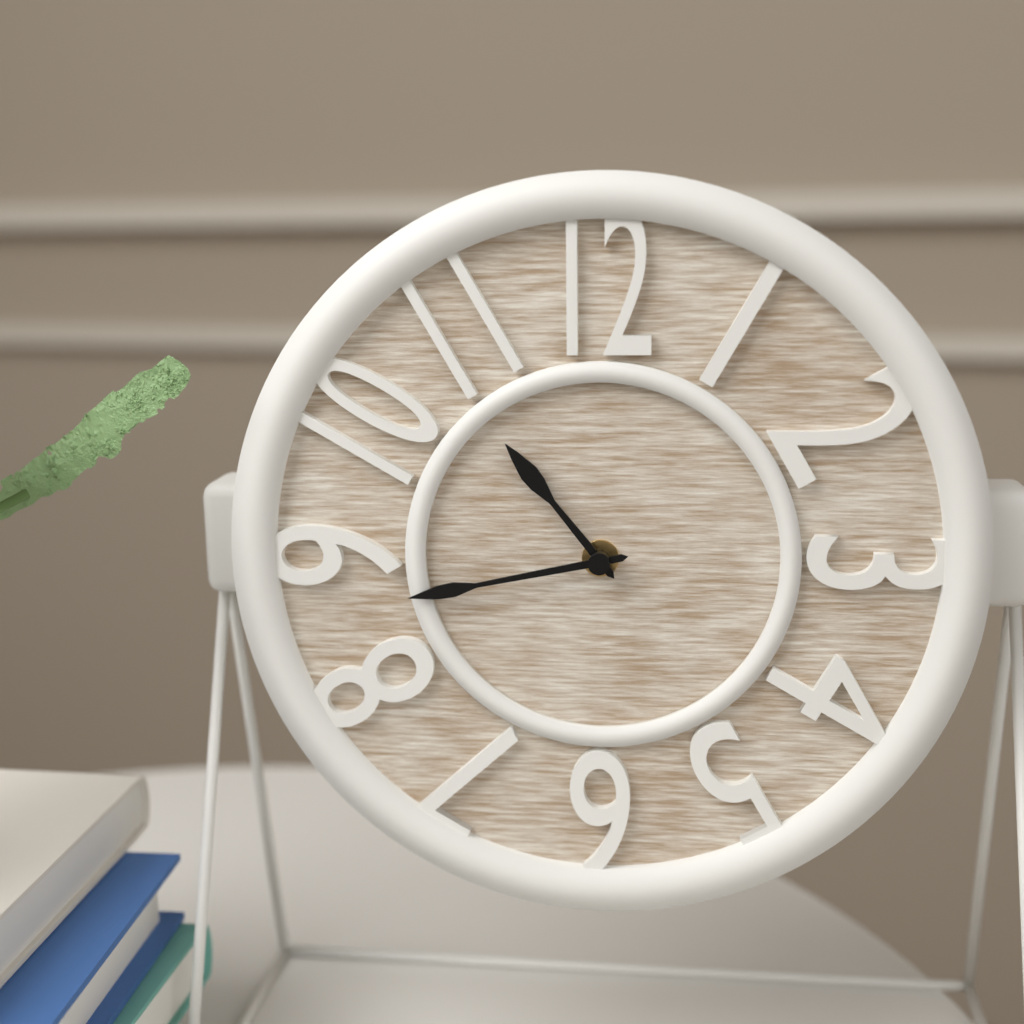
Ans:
10h43
